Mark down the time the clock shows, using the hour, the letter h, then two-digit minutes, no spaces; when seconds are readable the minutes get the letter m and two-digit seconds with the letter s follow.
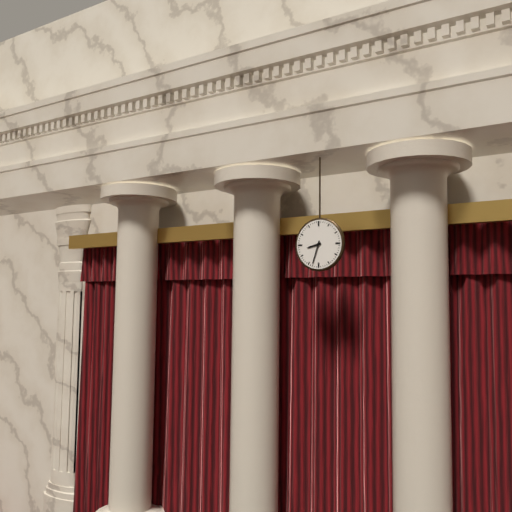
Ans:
8h33
